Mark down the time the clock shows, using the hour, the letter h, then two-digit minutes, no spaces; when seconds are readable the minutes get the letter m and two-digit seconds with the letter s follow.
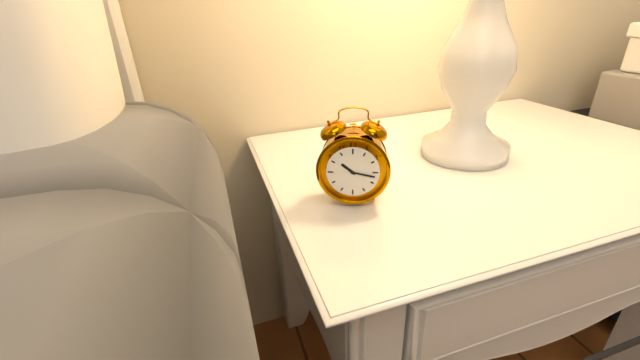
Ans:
10h17
